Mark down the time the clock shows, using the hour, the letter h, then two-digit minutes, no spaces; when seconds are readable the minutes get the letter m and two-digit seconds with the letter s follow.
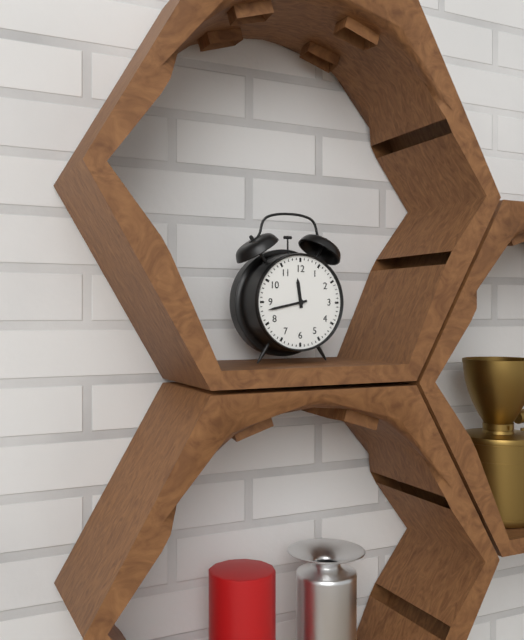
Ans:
11h43
